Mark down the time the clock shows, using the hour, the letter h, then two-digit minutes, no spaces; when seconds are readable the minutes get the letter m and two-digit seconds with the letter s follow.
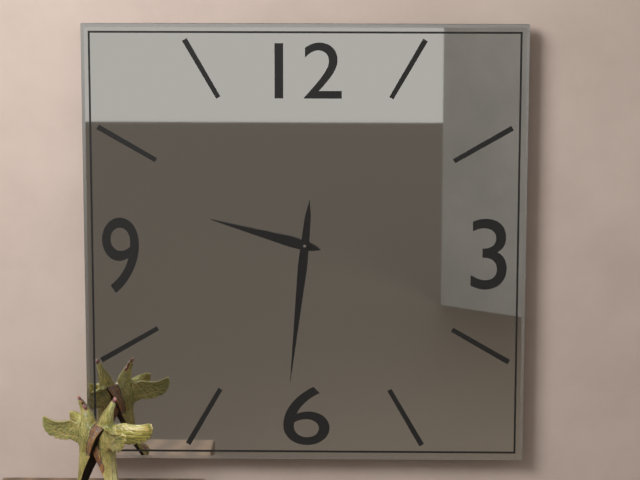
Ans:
9h31
